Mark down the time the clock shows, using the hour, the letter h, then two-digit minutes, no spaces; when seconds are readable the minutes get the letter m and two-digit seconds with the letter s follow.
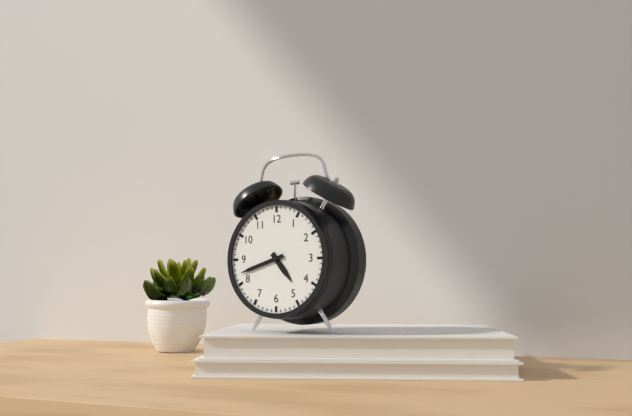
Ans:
4h42
